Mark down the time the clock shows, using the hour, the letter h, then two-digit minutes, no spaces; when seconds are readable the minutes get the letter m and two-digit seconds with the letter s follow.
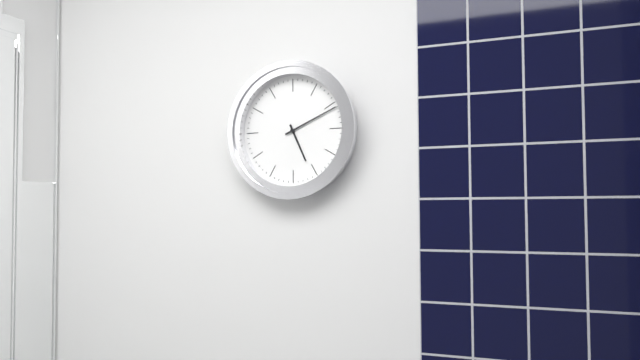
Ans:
5h11
